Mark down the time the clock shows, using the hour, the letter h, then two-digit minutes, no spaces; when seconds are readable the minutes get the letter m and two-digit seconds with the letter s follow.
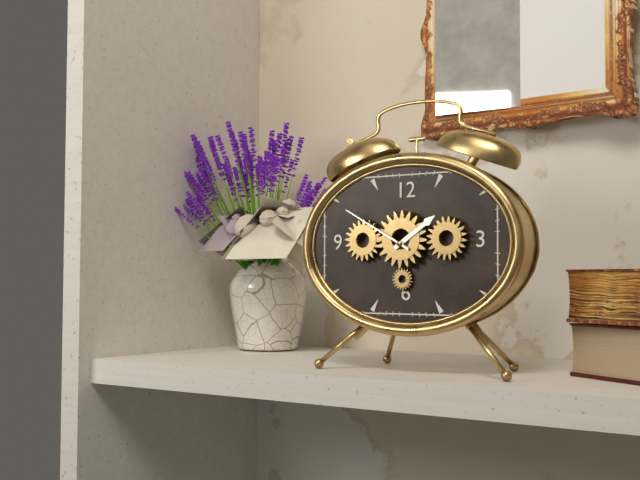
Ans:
1h50
